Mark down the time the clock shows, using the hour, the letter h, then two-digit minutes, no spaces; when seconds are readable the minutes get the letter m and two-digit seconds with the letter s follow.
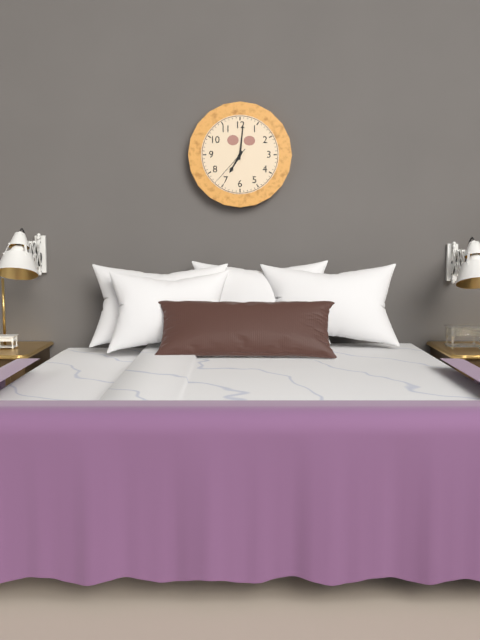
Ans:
7h01
